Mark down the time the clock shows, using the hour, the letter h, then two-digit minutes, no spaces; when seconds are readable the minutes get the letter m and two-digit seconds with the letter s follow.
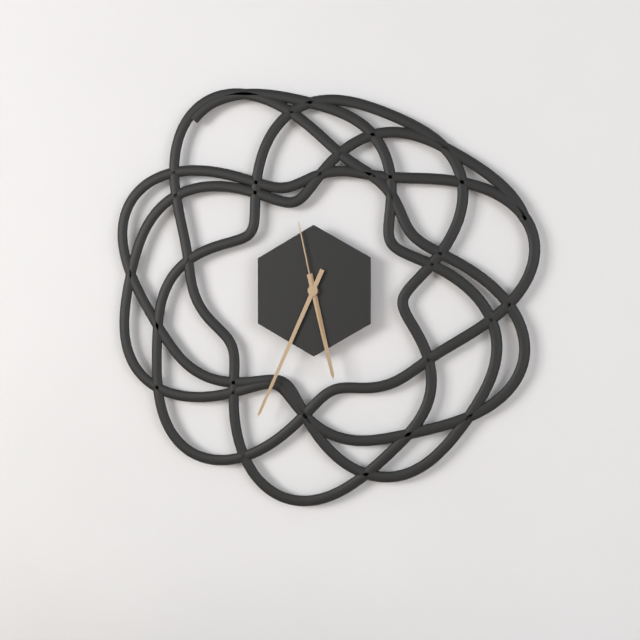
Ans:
5h34m58s
